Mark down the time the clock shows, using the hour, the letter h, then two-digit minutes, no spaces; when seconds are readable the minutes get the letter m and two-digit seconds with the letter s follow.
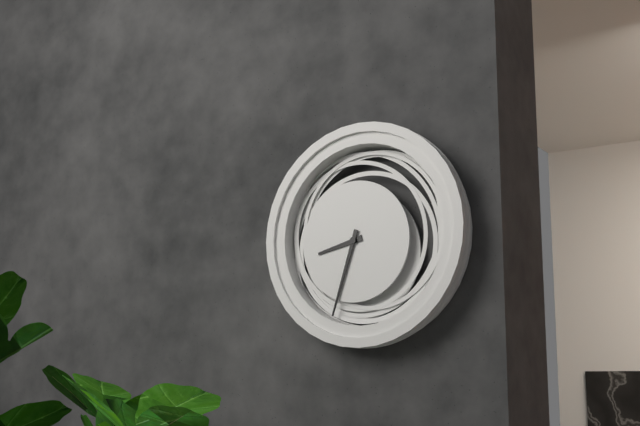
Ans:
8h33
